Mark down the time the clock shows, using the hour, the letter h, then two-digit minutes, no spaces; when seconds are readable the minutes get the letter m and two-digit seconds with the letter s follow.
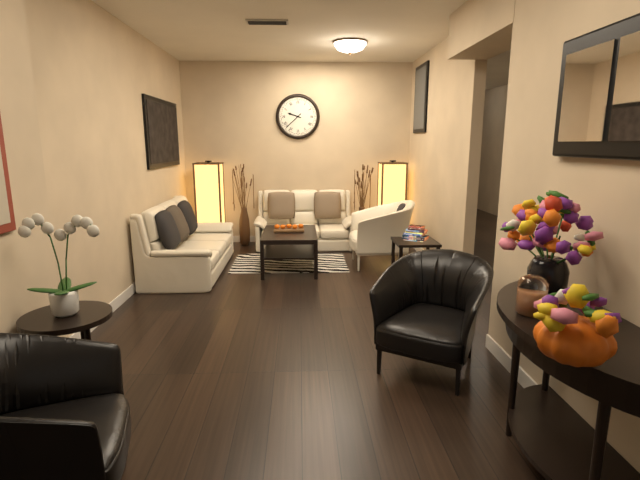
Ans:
9h38
